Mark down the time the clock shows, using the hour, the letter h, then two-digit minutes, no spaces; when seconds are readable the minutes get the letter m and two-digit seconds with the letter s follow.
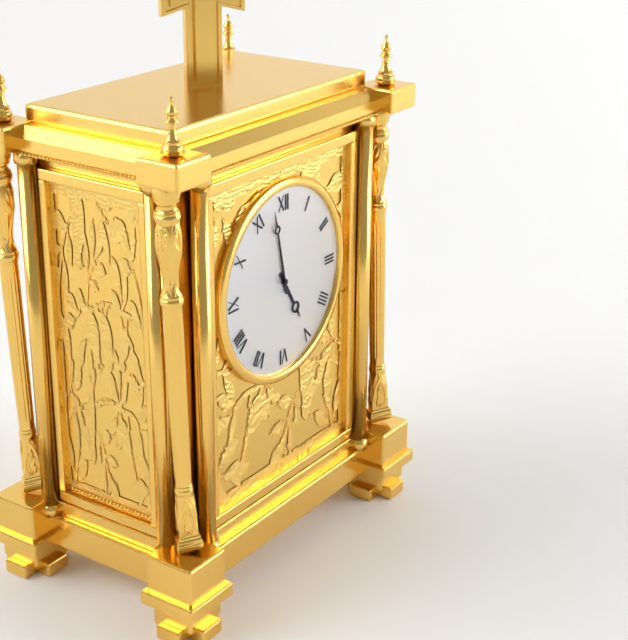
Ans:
4h58
